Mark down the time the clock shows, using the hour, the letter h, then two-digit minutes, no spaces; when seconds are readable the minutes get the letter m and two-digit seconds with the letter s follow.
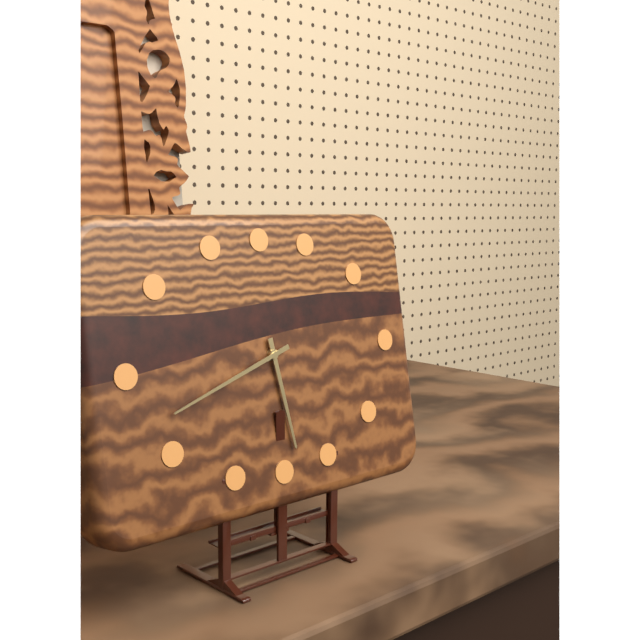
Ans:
5h42
